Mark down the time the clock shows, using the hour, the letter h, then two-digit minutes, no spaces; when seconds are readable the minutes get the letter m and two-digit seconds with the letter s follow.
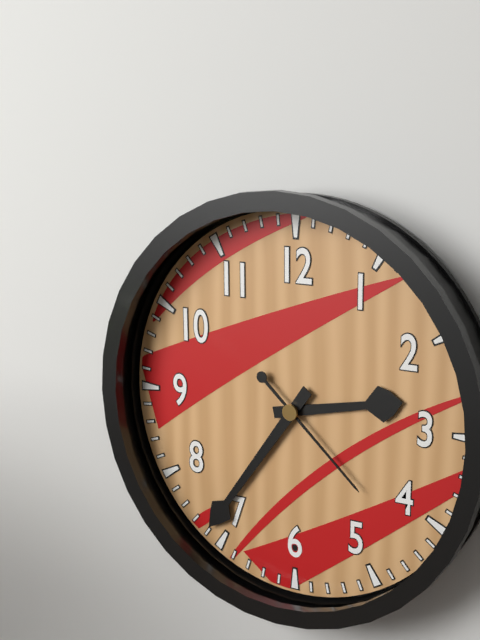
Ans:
2h36m22s
